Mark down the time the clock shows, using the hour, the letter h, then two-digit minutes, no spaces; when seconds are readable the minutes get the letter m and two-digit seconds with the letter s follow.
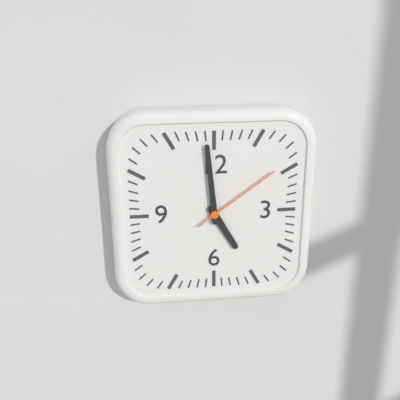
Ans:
4h59m09s
